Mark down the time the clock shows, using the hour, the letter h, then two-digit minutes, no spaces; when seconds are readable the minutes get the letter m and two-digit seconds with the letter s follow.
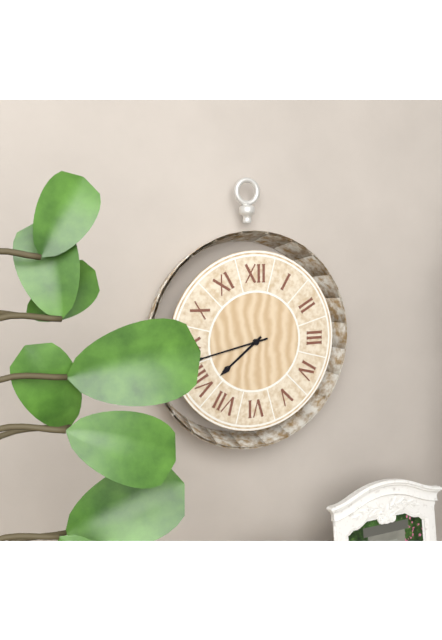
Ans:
7h43
